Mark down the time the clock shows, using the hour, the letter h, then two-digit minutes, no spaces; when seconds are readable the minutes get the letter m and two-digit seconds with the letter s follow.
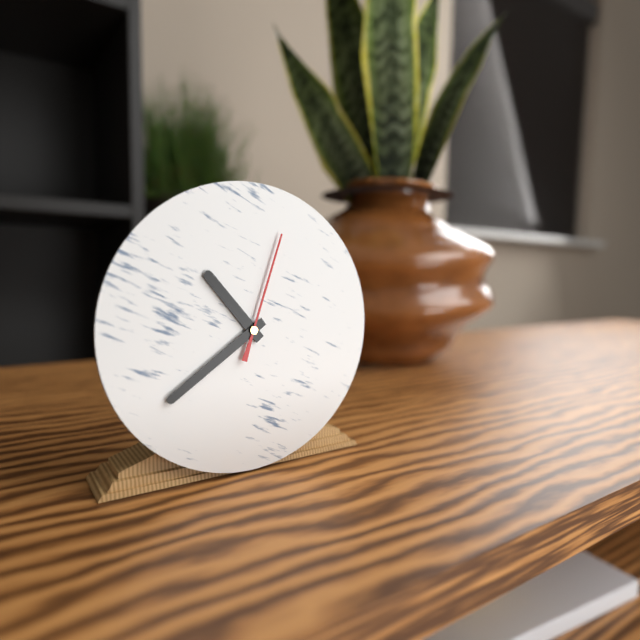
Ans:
10h39m03s
